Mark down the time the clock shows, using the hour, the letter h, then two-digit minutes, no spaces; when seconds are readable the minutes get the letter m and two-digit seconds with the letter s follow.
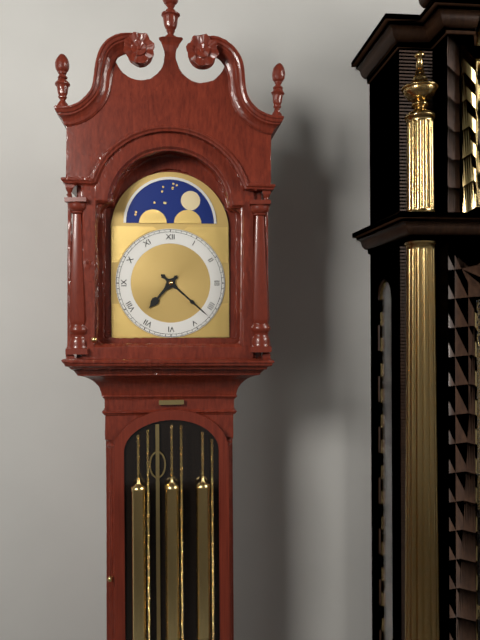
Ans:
7h22
